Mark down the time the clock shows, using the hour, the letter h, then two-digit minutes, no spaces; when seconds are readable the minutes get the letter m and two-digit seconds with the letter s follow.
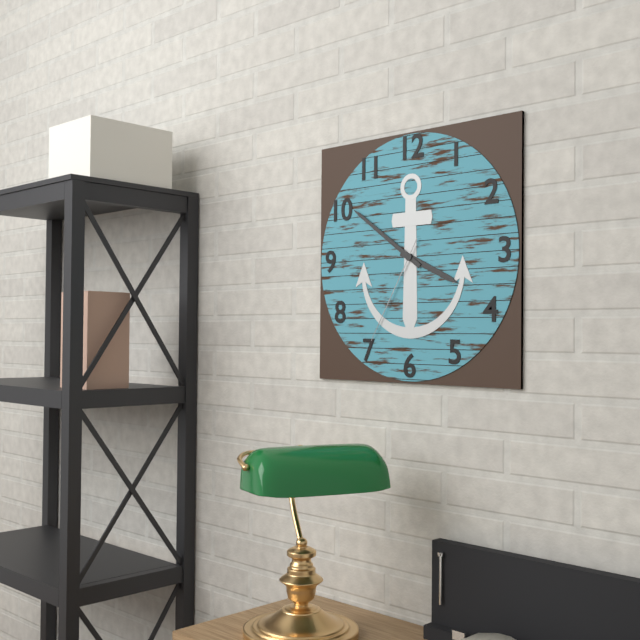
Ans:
3h51m35s
